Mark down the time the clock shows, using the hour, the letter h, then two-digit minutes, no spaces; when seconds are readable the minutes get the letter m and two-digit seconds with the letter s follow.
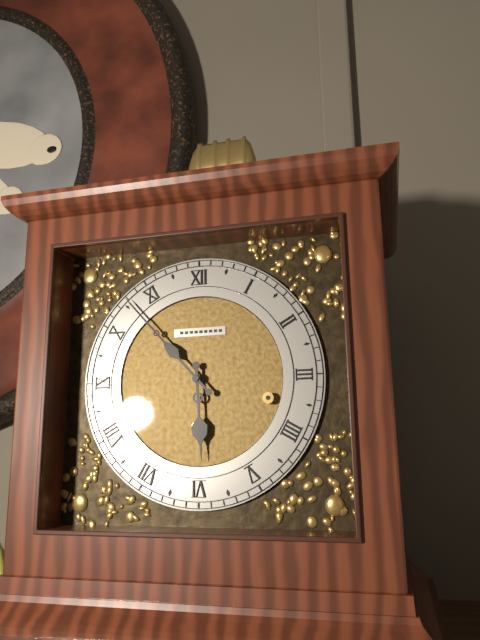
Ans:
5h53
